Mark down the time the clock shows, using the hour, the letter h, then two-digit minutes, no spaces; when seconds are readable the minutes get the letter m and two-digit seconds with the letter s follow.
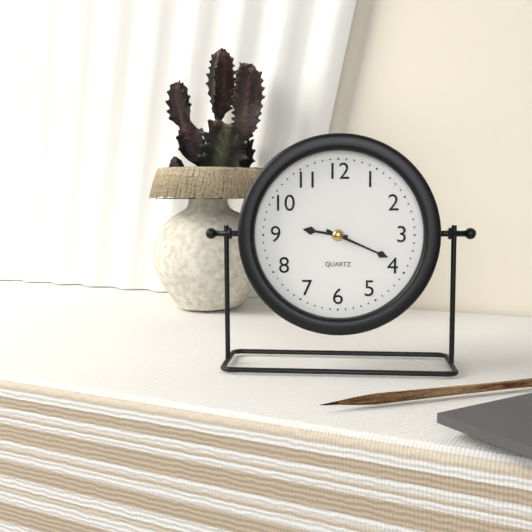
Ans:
9h19
